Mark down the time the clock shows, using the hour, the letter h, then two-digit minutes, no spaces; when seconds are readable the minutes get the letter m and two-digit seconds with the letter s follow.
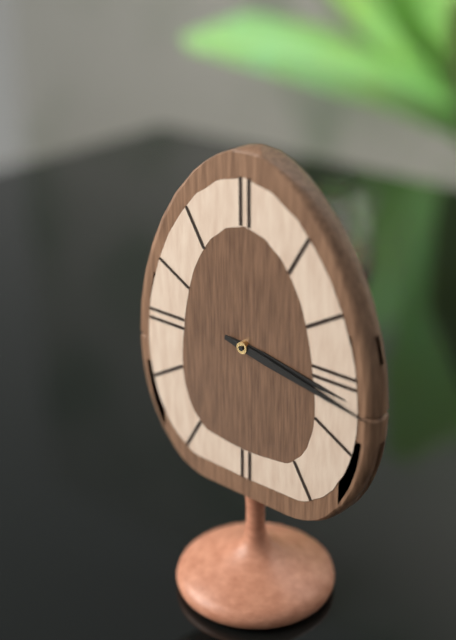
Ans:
3h17
